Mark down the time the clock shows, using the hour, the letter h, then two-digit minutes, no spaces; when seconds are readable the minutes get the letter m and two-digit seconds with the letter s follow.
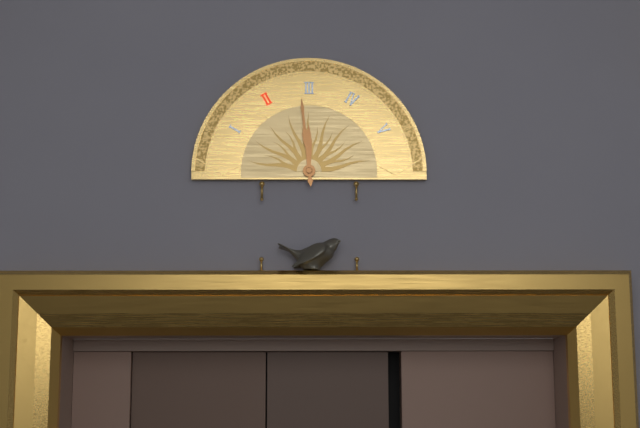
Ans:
11h59
